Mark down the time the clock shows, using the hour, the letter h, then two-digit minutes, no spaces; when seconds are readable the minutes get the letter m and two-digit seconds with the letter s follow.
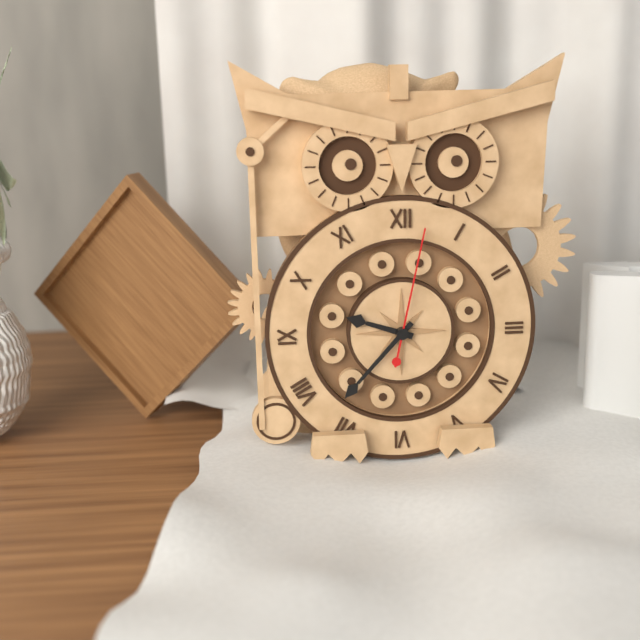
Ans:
9h37m02s
